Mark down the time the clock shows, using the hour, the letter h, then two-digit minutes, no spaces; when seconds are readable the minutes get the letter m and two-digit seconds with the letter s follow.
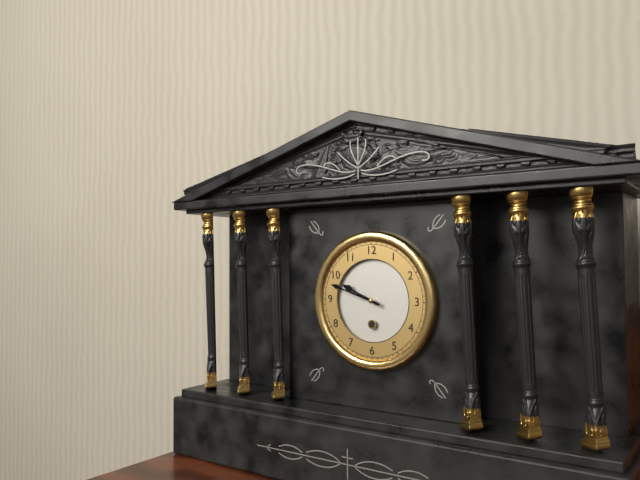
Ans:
9h48
